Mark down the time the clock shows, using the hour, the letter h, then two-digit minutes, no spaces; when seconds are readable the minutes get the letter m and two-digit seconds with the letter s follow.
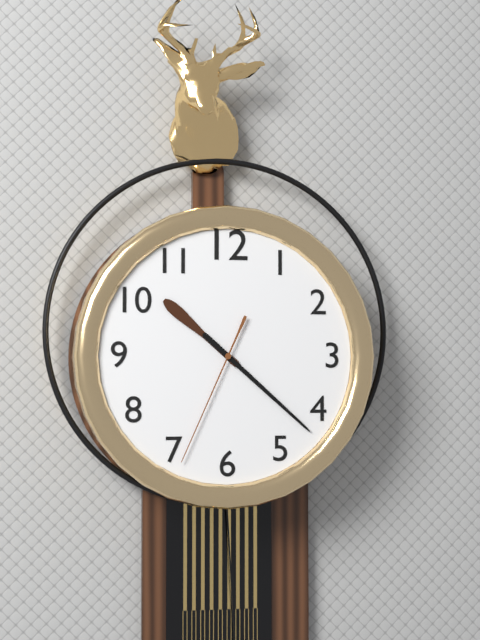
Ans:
10h22m34s
